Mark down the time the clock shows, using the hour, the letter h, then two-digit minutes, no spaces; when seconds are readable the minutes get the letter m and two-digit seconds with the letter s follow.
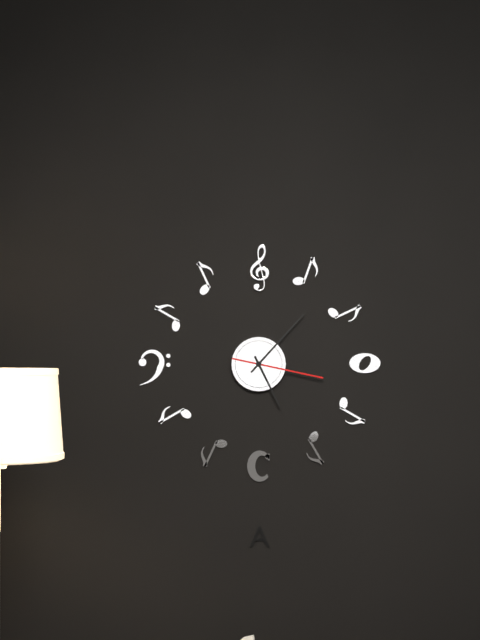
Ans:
5h07m17s
